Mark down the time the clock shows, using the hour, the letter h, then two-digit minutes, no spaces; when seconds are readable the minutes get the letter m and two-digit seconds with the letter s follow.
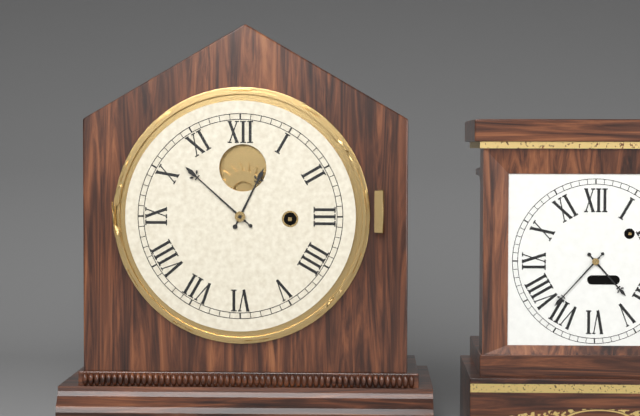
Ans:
12h52
